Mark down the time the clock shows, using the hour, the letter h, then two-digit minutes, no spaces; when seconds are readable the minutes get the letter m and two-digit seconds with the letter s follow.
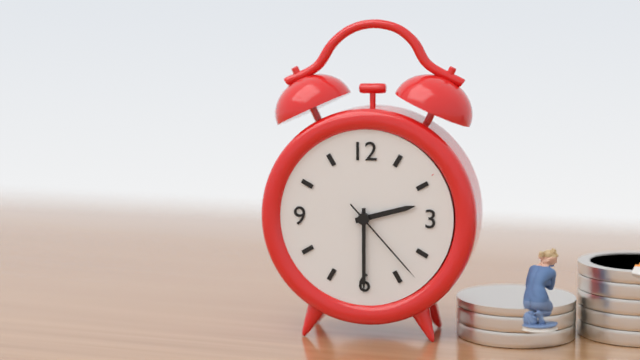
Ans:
2h30m23s
